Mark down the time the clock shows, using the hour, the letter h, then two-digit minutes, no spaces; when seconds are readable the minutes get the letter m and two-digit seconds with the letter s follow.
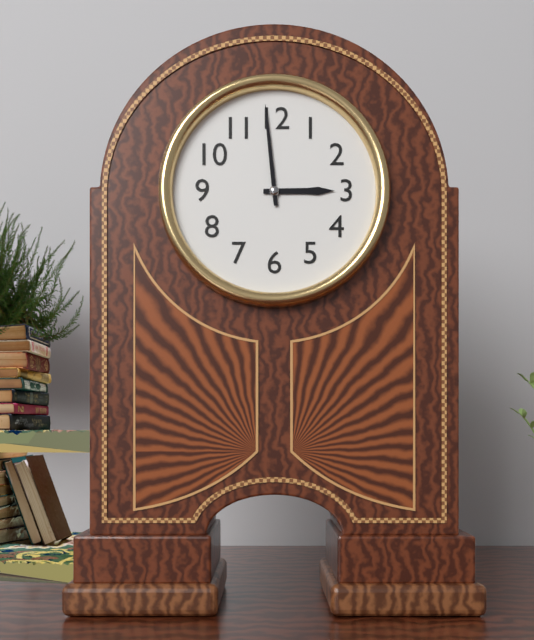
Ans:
2h59
